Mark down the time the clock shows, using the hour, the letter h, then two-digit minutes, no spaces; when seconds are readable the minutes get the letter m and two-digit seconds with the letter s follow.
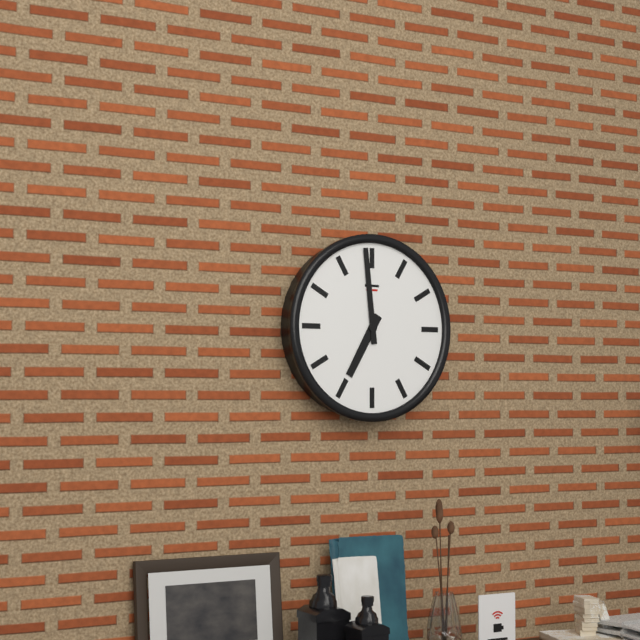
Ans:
6h59
